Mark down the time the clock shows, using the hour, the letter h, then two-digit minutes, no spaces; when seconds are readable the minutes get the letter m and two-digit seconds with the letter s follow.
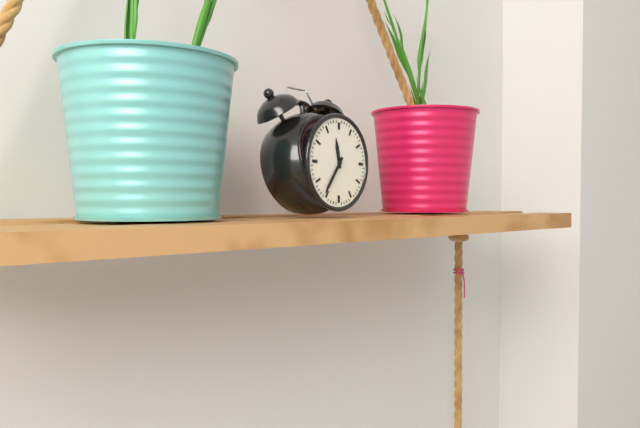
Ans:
11h36
